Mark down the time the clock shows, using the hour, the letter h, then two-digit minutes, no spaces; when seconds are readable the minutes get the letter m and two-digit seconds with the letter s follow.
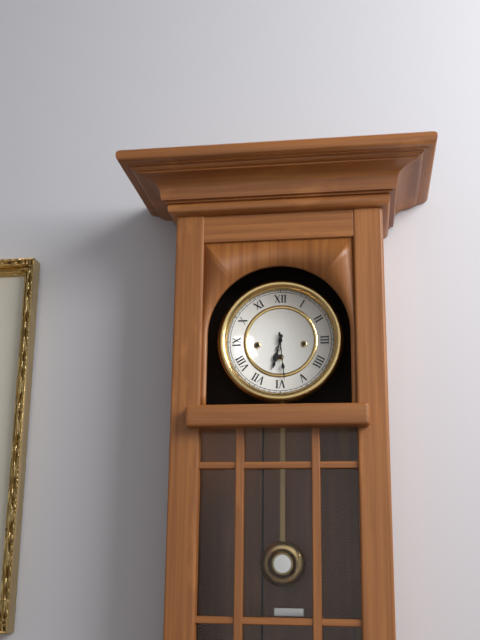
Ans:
6h29
